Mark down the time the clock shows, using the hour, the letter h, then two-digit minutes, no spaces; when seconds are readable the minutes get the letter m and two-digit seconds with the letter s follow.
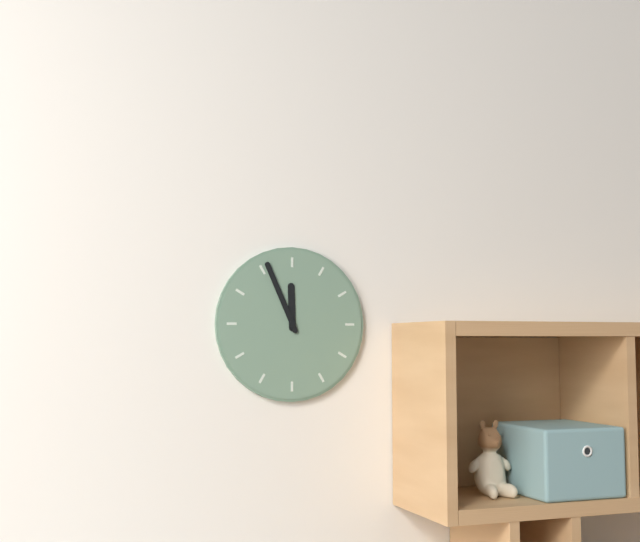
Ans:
11h56
